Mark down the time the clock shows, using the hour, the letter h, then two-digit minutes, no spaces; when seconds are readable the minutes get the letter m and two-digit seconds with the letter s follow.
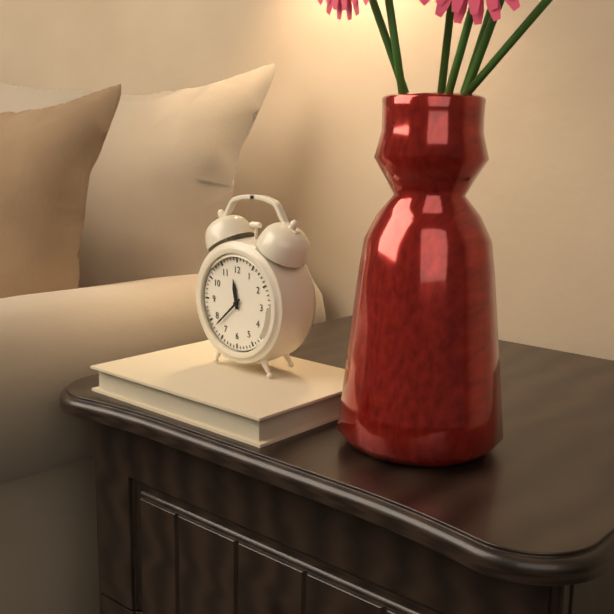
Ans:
11h38
